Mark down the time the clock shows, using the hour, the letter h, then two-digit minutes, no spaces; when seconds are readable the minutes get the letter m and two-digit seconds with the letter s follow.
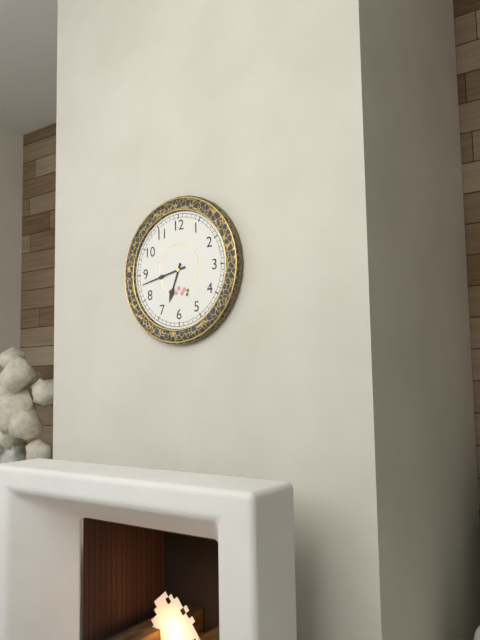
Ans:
6h43
